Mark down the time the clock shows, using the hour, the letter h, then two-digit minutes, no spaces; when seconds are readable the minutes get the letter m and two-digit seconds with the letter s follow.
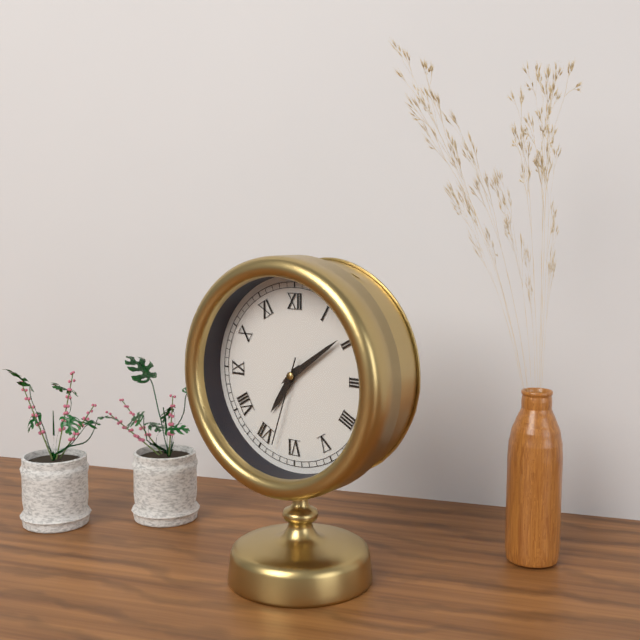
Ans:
7h09m33s
